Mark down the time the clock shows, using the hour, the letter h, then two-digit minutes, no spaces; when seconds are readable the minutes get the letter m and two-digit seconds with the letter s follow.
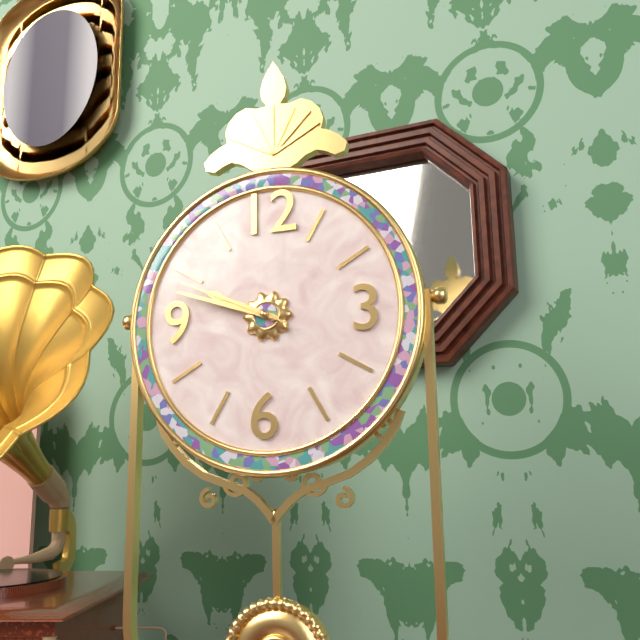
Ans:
9h48m49s
